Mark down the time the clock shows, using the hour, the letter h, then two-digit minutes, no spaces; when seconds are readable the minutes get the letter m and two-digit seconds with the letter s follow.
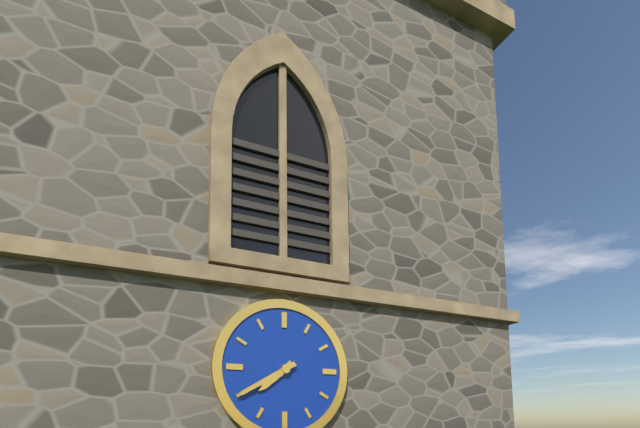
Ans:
7h40
